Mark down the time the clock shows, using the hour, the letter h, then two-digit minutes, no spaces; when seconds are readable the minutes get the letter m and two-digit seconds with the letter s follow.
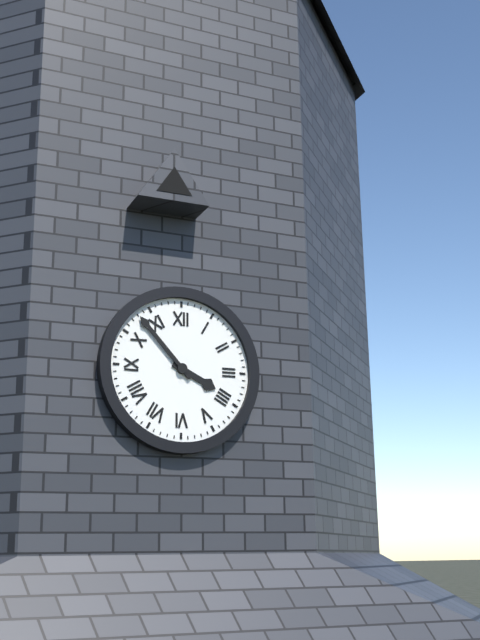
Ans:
3h53
